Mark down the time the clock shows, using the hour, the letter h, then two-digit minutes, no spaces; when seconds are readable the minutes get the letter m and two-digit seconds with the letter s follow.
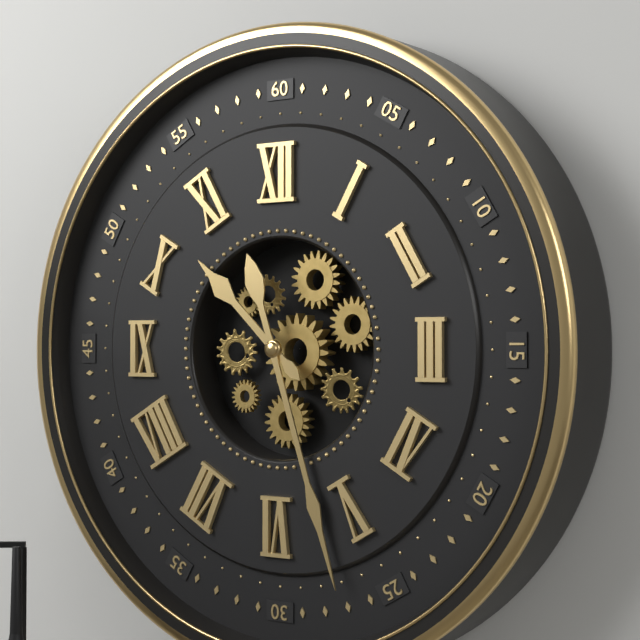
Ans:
10h27
